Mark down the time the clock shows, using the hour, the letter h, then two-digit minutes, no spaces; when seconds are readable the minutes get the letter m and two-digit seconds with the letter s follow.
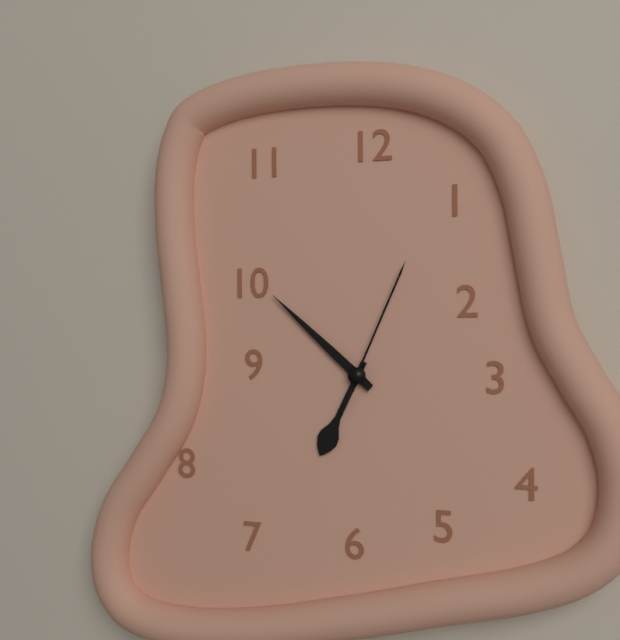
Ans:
6h52m04s
